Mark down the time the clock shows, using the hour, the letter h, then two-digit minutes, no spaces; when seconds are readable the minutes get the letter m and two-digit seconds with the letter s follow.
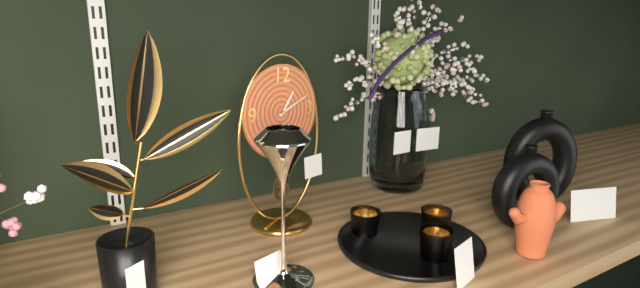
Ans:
1h11
